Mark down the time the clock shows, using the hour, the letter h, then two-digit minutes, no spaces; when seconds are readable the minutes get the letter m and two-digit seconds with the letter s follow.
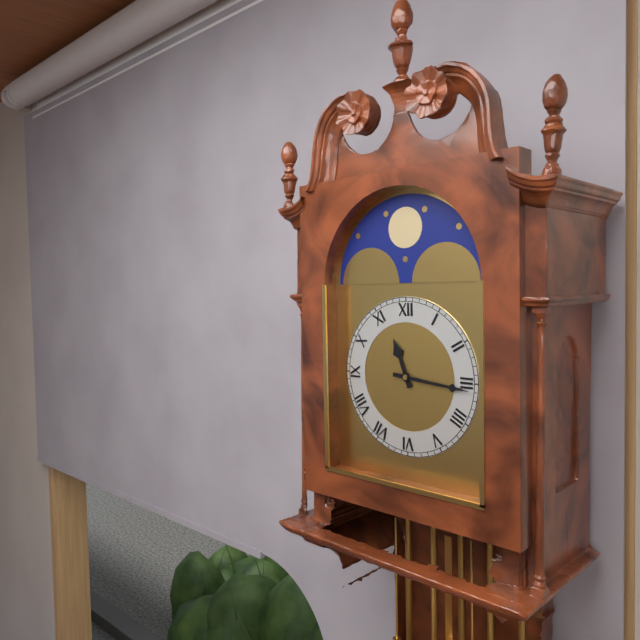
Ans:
11h16
